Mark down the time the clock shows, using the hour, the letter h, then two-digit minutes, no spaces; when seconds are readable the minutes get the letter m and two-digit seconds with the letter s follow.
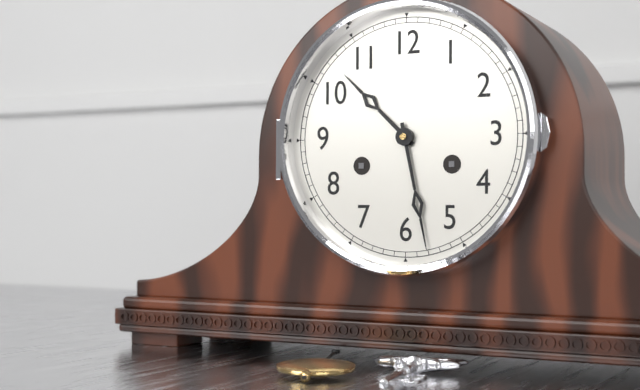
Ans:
10h28
